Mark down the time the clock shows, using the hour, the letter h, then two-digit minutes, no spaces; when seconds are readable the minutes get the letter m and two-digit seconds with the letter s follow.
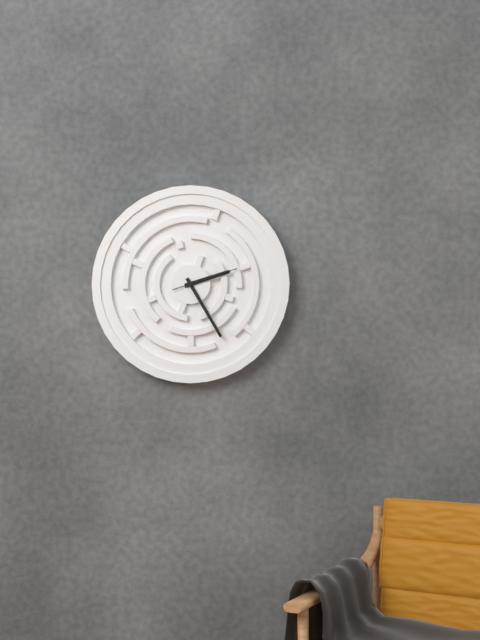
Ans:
2h25m12s
